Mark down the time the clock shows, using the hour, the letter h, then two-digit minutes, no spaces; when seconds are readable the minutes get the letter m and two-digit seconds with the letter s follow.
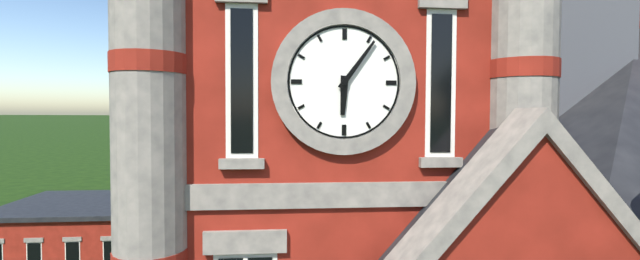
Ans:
6h06
